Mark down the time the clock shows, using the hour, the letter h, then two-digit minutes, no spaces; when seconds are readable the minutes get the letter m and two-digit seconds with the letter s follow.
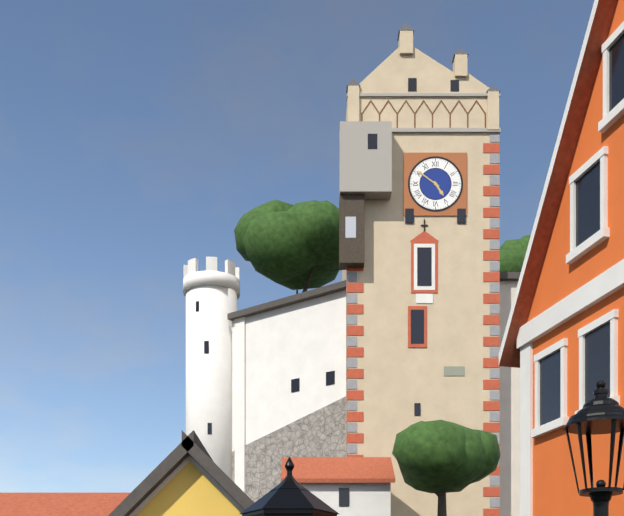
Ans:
4h51
